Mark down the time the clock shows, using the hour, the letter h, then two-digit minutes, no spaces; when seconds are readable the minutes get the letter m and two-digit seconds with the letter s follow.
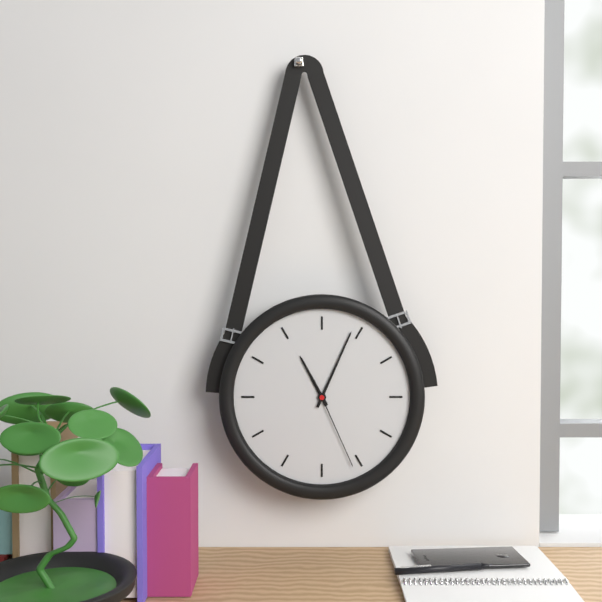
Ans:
11h04m26s
